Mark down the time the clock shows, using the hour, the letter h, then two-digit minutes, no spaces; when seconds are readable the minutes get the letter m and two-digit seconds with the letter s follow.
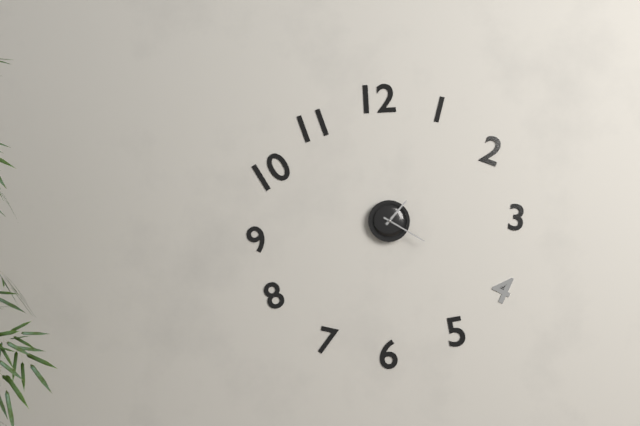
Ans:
1h20
